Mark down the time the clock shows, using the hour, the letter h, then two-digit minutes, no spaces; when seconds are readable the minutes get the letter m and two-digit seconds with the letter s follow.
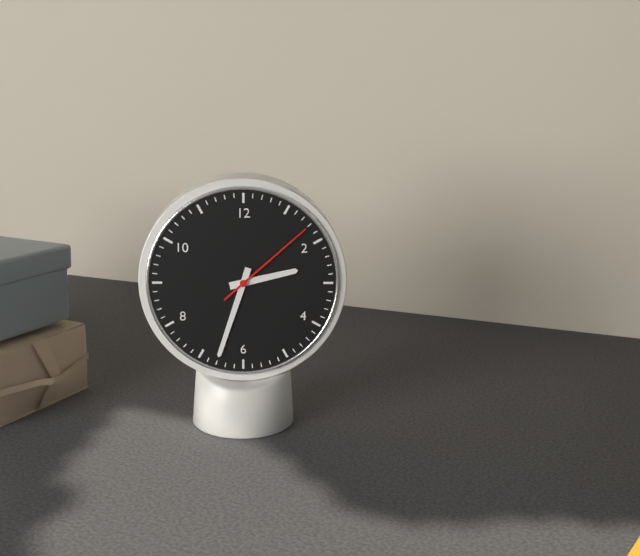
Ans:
2h33m08s
